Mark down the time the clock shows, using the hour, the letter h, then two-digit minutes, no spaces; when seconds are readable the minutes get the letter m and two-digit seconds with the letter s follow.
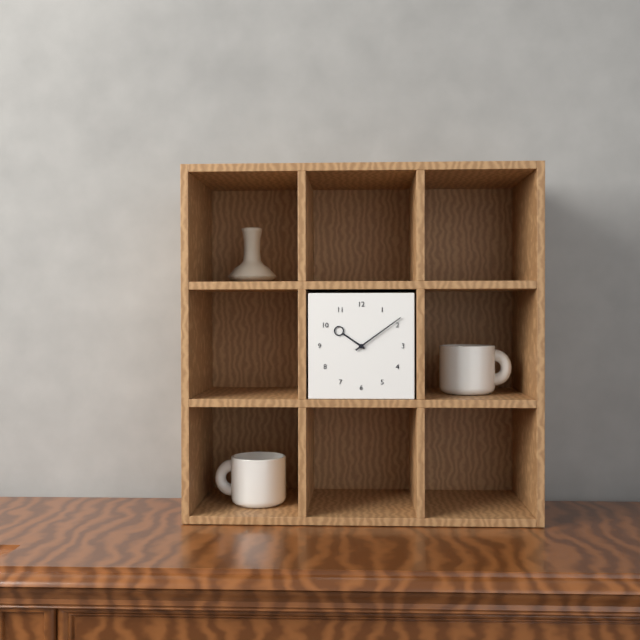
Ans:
10h09
